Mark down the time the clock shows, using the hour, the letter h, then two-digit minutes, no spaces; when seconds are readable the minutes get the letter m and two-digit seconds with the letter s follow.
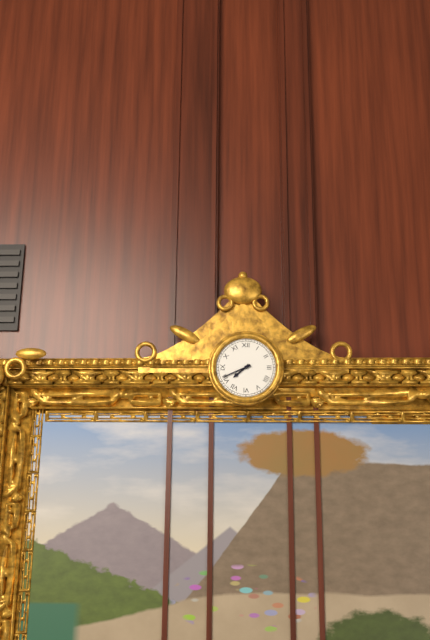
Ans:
7h41
